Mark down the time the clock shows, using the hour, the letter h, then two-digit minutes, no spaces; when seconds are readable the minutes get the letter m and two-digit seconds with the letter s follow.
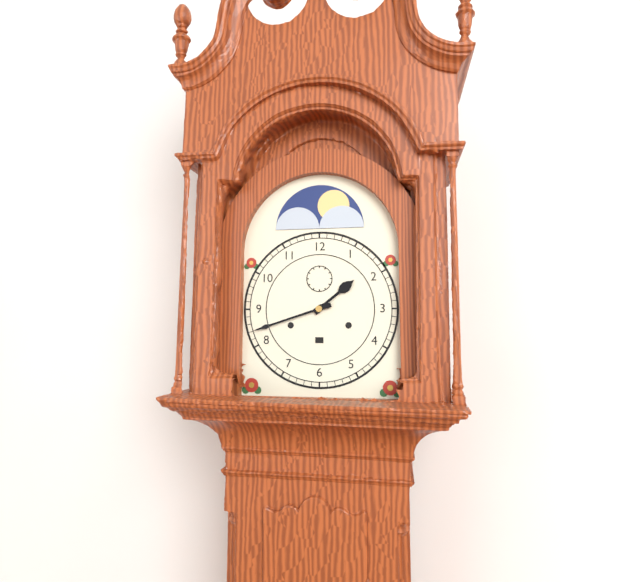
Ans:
1h42
